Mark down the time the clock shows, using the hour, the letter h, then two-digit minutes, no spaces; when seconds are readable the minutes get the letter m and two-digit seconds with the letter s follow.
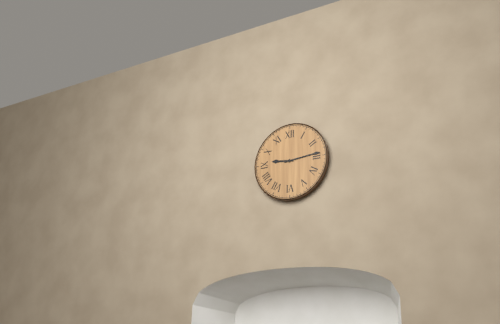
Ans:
9h14
